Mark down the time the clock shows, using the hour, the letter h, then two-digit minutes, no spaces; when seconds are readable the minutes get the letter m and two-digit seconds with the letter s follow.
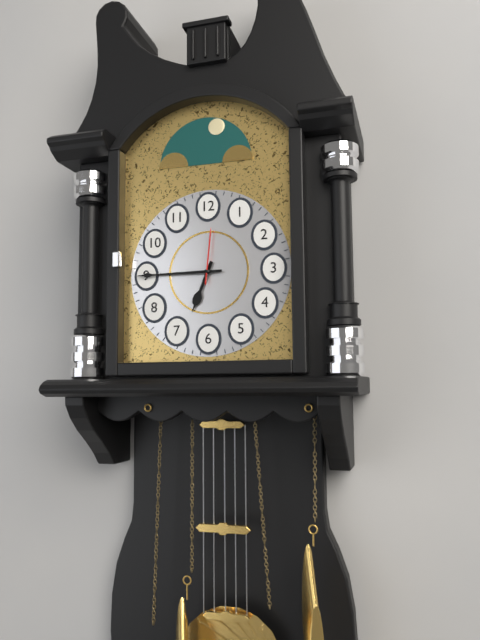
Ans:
6h45m01s
